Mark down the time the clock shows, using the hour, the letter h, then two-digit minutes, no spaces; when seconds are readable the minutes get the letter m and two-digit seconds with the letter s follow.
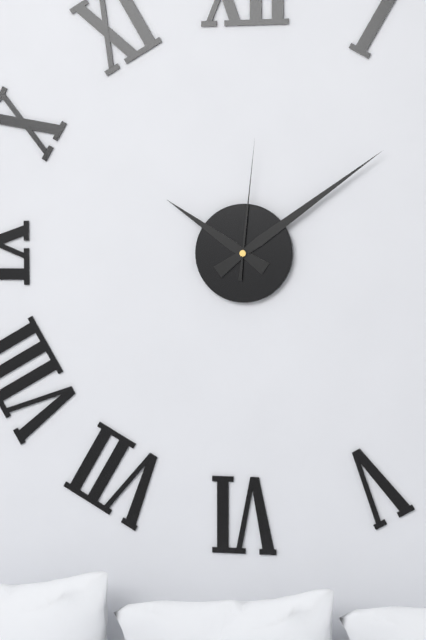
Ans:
10h09m01s
